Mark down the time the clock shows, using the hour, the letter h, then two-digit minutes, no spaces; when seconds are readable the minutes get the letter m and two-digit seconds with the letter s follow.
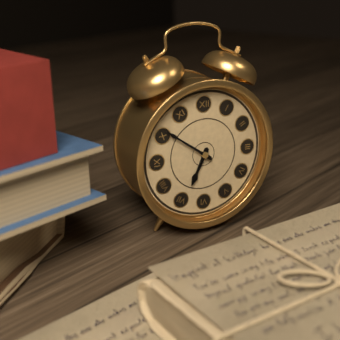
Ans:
6h51
